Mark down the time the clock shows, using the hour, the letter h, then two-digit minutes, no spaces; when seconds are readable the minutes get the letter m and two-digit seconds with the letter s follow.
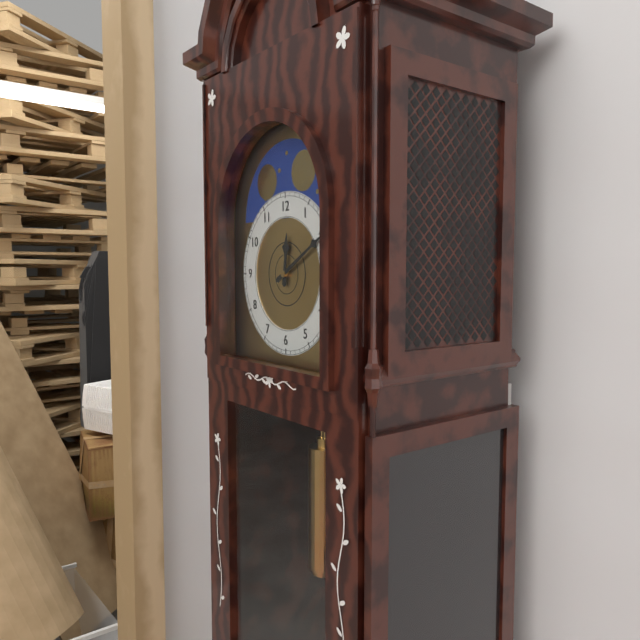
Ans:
12h10
